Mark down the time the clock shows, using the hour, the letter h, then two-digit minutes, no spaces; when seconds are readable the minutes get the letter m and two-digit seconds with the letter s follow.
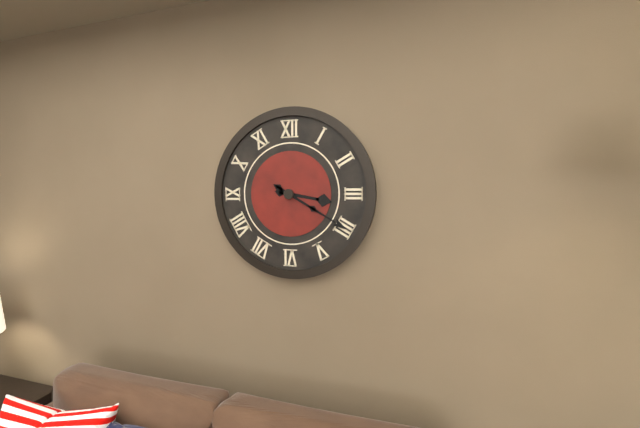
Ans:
3h20
